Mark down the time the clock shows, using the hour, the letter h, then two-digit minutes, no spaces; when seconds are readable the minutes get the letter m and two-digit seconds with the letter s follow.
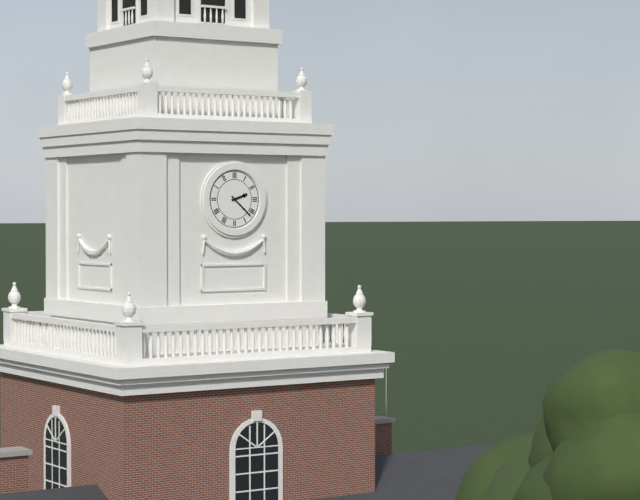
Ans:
2h22
